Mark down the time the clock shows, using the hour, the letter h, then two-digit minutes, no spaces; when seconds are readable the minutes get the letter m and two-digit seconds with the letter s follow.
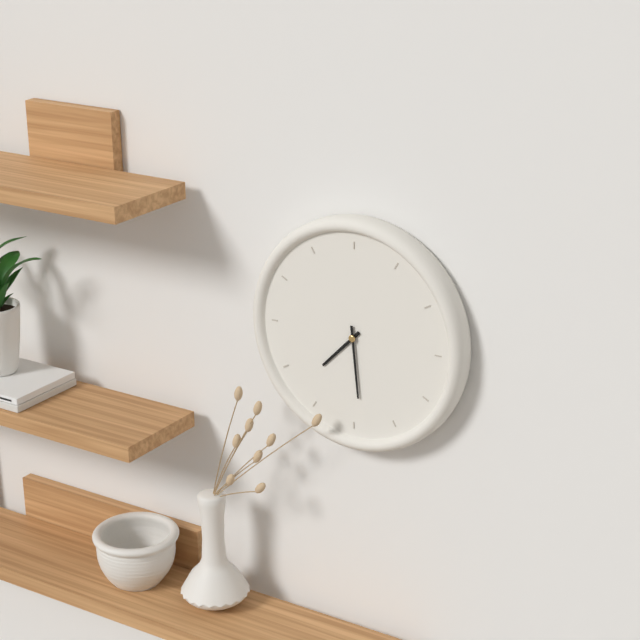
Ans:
7h29
